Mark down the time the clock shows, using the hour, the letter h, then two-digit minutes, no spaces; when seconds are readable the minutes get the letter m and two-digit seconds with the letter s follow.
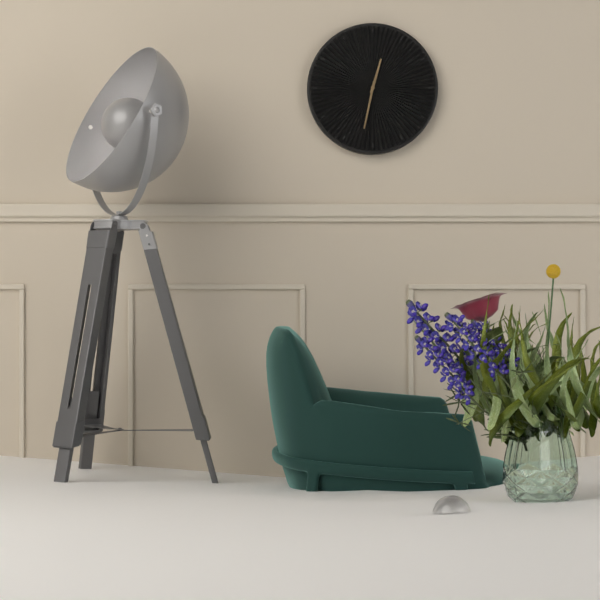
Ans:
12h32
